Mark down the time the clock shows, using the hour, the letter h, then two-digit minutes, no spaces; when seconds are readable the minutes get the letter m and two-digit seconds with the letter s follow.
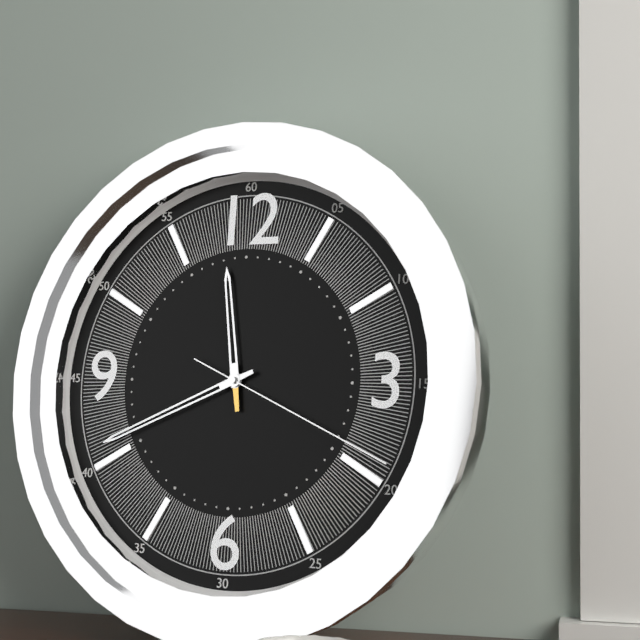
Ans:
11h41m19s
